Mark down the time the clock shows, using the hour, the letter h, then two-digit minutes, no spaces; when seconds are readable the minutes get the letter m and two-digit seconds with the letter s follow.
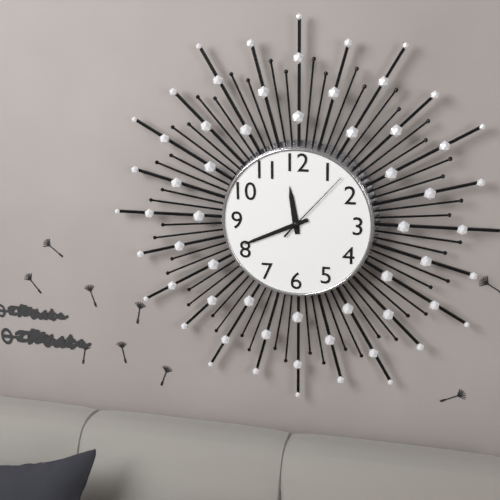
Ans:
11h41m07s
